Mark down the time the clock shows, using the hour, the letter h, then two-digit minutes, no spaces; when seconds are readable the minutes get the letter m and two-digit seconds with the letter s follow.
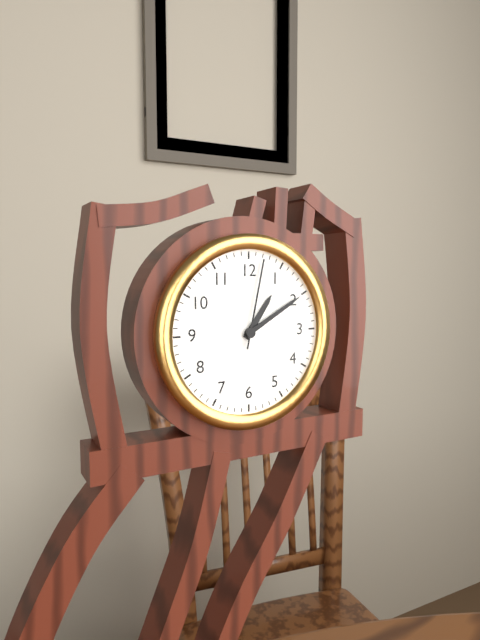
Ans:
1h10m02s
